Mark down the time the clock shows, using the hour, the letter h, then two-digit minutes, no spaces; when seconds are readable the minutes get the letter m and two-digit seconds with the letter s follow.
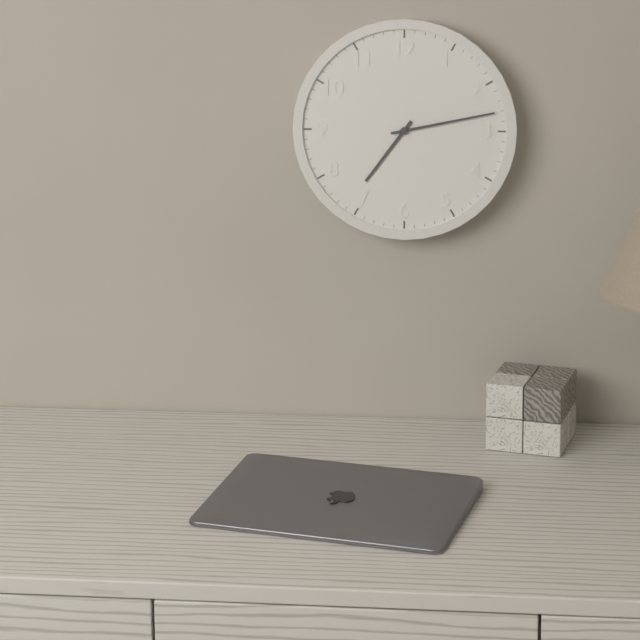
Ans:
7h13
